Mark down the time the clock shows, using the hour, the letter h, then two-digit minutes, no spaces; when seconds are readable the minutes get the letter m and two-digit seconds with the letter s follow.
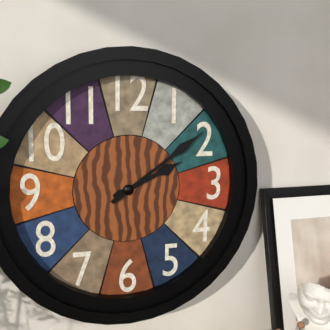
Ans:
2h09
